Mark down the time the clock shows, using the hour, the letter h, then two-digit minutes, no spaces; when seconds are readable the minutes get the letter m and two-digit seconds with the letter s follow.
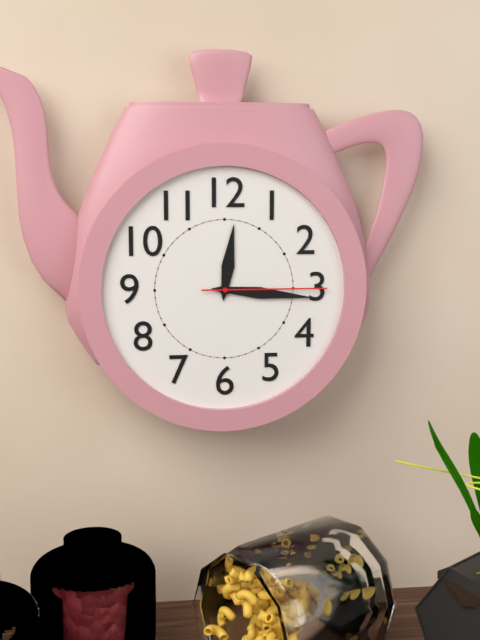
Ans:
12h16m15s
